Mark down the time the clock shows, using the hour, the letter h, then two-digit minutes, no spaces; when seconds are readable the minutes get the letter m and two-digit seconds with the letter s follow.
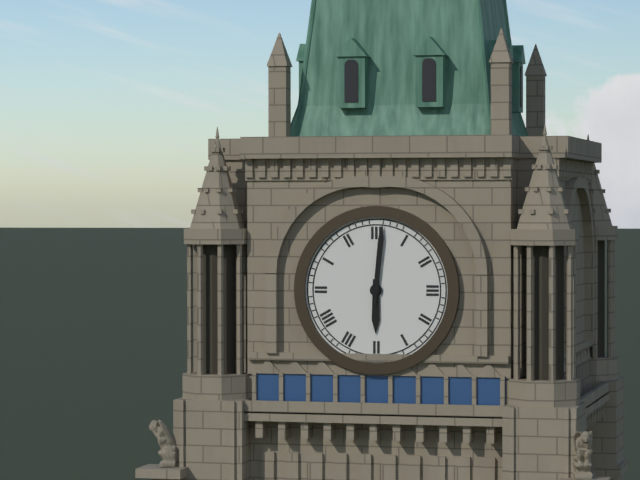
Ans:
6h01
